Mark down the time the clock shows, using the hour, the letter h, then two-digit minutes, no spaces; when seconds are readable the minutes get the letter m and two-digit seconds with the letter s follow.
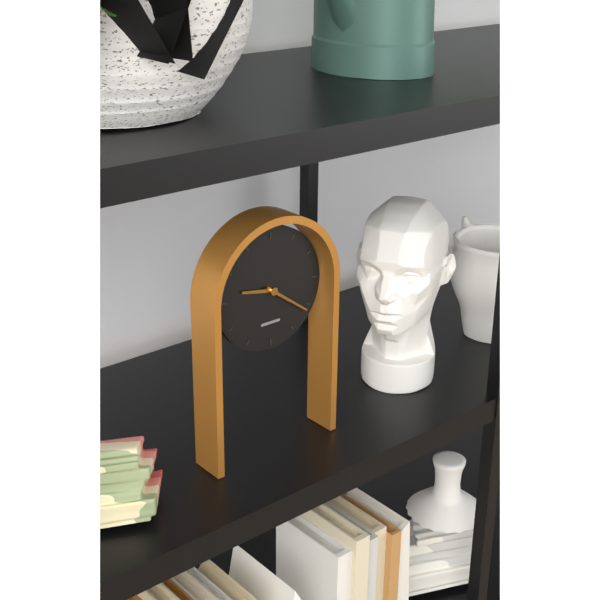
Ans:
9h21
